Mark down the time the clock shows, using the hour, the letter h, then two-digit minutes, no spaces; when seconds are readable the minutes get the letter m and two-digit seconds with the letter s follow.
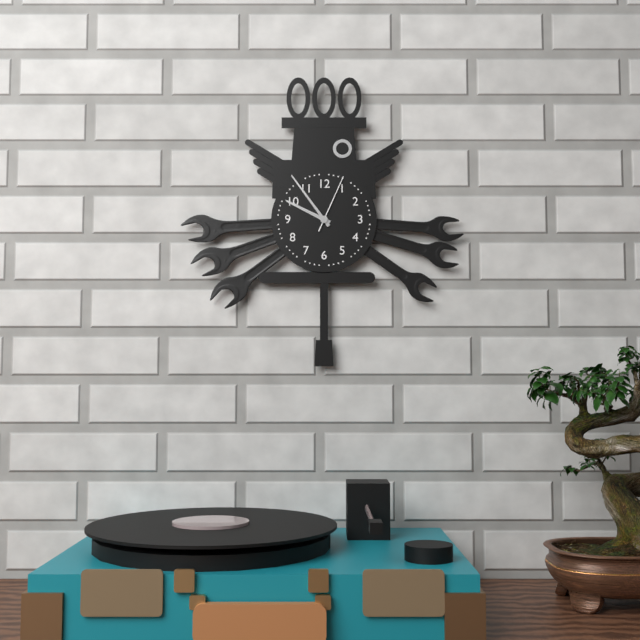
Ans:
9h54m04s
